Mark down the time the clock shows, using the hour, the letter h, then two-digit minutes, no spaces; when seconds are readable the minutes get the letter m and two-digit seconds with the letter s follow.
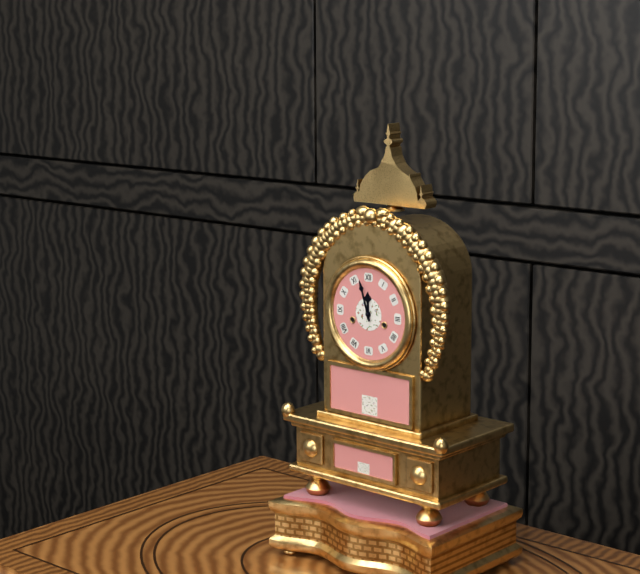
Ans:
11h57
